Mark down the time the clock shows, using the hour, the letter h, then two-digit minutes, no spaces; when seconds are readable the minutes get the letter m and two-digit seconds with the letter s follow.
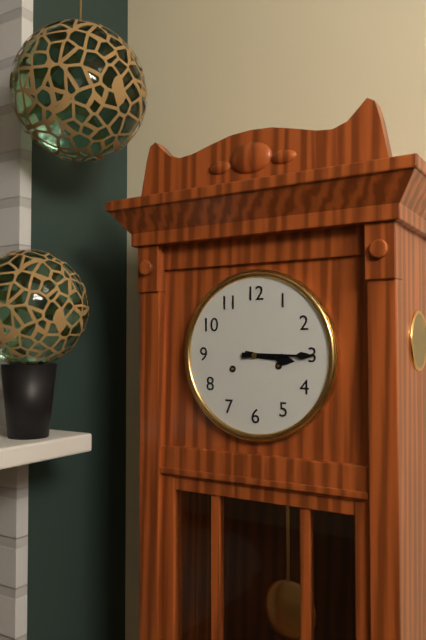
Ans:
3h15
